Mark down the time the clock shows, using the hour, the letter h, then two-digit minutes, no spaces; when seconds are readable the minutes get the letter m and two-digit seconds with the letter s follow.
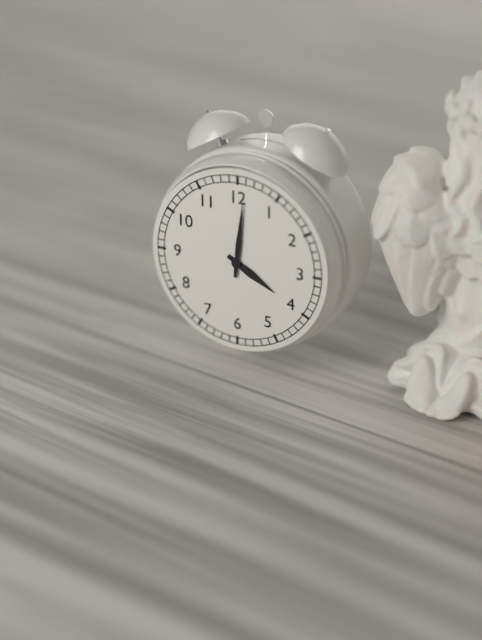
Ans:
4h01
